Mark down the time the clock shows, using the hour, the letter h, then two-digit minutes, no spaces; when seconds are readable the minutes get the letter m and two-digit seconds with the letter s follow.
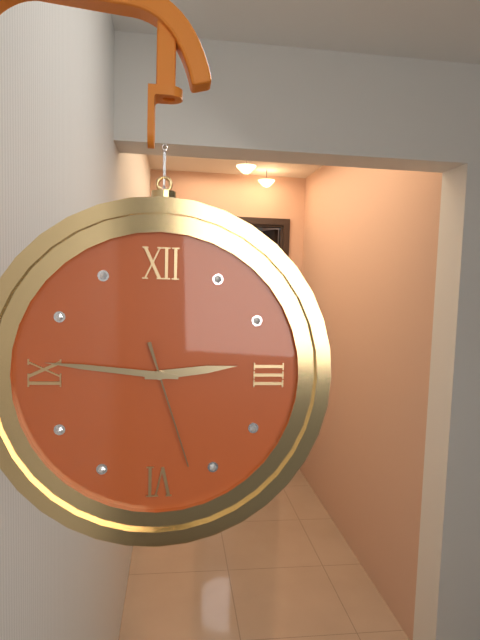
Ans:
2h46m27s
